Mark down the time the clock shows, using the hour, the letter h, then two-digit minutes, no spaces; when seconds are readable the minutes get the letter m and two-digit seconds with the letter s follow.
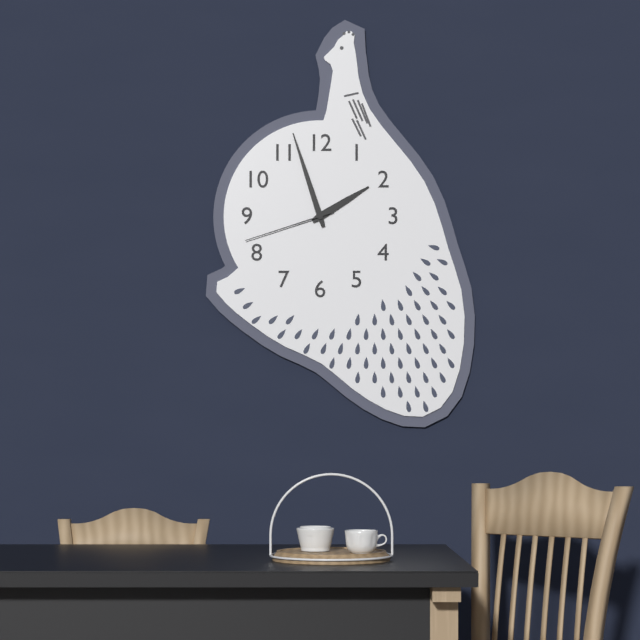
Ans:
1h57m42s
